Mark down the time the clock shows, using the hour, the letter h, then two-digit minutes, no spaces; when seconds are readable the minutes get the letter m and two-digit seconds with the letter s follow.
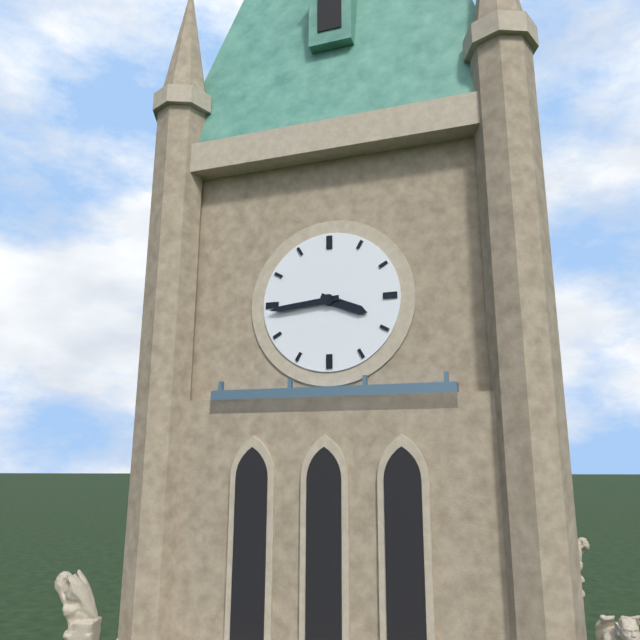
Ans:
3h44
